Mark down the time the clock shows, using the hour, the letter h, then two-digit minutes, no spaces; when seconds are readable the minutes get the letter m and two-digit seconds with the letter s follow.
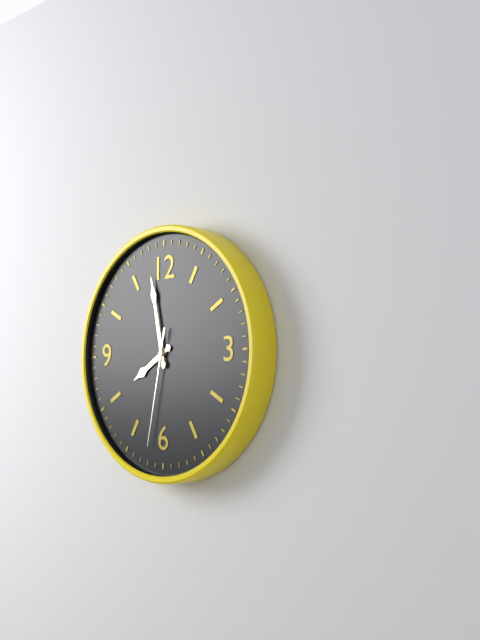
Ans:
7h58m32s
